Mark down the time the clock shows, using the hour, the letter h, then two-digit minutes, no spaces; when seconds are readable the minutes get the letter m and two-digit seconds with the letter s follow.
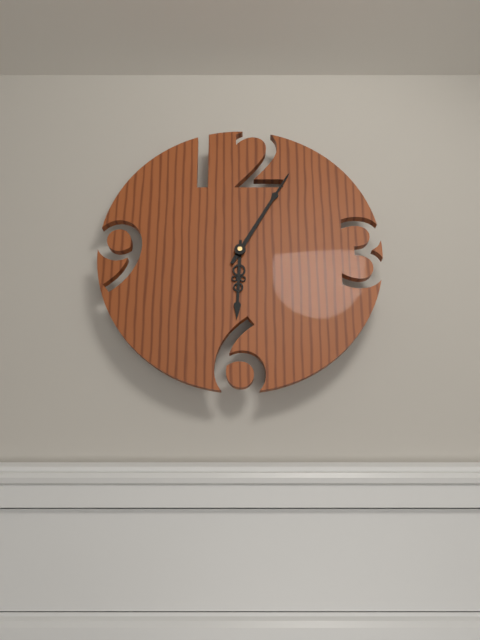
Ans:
6h05
